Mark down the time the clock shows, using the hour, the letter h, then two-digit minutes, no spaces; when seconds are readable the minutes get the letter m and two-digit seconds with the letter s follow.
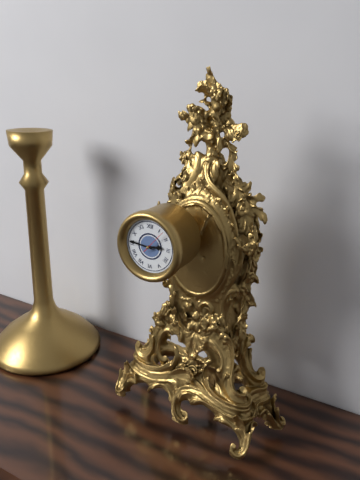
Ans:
2h46
